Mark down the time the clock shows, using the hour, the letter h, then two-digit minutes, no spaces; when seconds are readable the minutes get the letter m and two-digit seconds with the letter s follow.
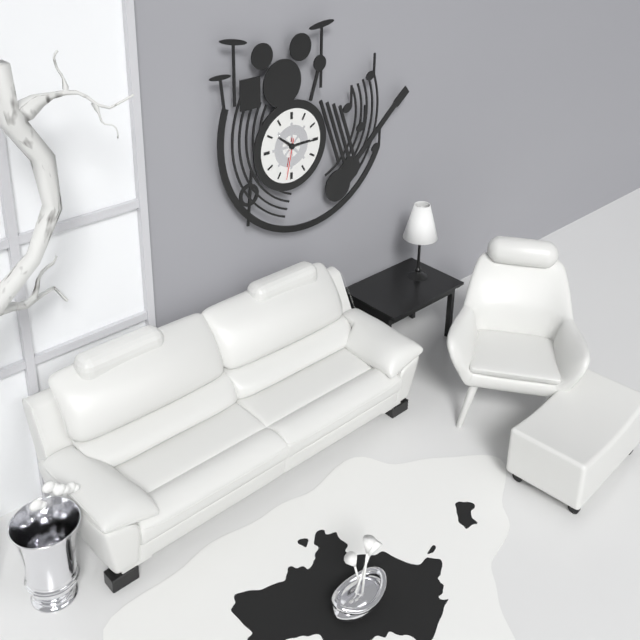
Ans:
10h15
